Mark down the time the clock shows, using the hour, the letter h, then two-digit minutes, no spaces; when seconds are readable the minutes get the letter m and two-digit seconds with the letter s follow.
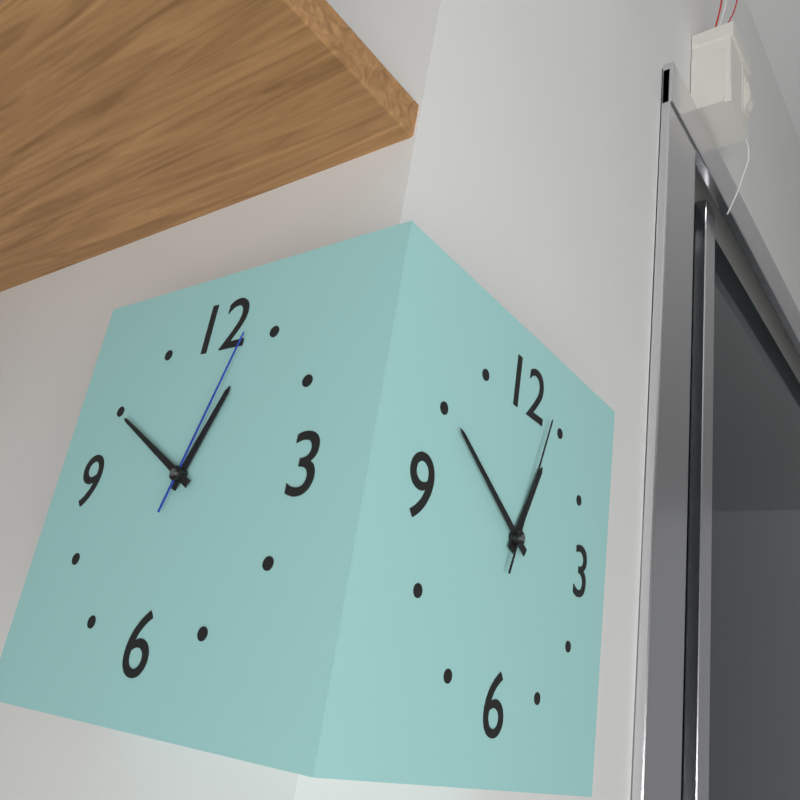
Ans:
12h50m03s
